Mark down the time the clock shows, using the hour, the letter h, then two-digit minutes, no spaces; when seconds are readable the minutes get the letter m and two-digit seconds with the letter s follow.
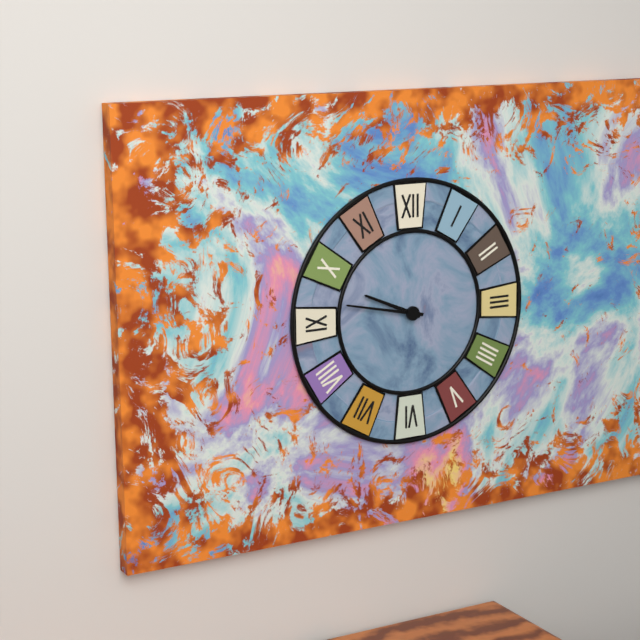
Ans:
9h47
